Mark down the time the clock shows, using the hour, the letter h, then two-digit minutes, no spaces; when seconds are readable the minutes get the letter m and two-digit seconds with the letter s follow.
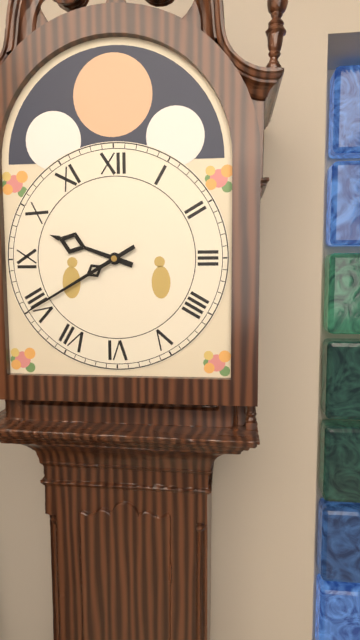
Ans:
9h40
